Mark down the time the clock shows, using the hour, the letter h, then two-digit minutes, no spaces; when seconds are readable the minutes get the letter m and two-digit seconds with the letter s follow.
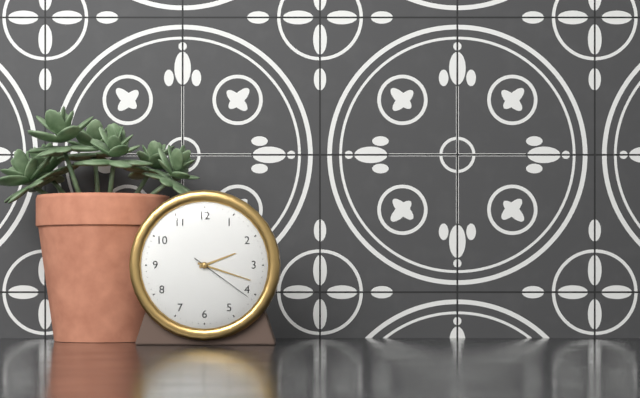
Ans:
2h18m21s
